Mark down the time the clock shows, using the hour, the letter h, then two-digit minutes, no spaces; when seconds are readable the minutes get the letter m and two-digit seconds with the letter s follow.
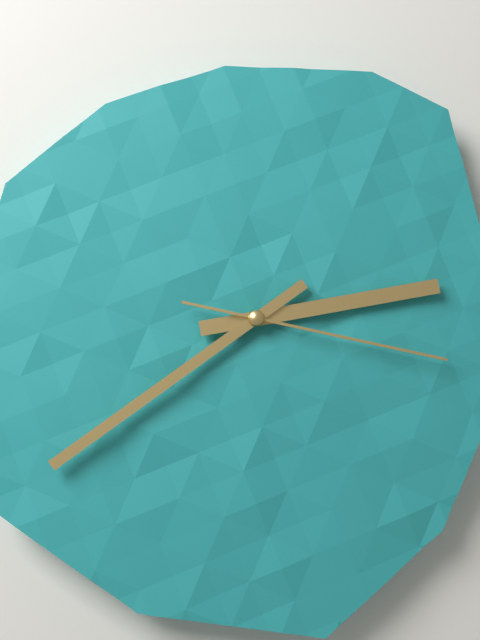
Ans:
2h39m17s
